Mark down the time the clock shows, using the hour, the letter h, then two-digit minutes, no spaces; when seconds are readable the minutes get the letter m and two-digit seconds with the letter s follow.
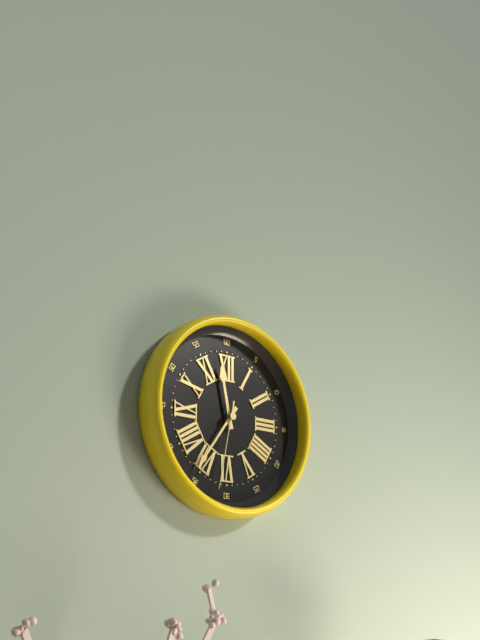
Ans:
11h36m32s
